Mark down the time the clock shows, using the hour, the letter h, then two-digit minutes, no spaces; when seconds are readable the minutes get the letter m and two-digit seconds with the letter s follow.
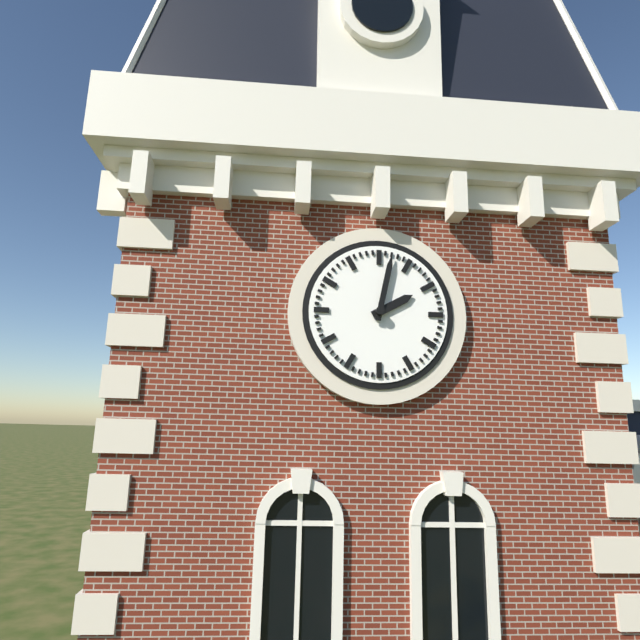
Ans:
2h02
